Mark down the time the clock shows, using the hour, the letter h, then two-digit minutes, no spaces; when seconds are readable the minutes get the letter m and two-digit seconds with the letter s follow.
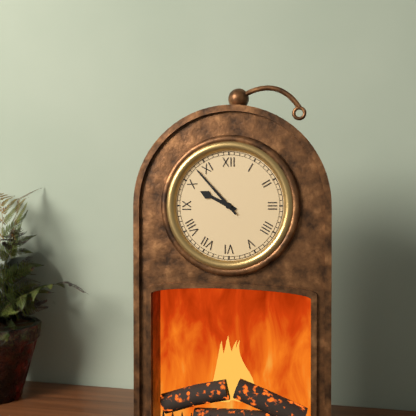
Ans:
9h53
